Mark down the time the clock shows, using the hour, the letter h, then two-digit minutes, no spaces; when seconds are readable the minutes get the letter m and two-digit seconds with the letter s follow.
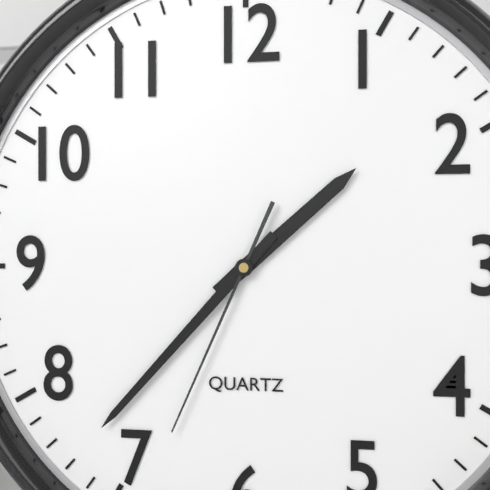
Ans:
1h37m34s
